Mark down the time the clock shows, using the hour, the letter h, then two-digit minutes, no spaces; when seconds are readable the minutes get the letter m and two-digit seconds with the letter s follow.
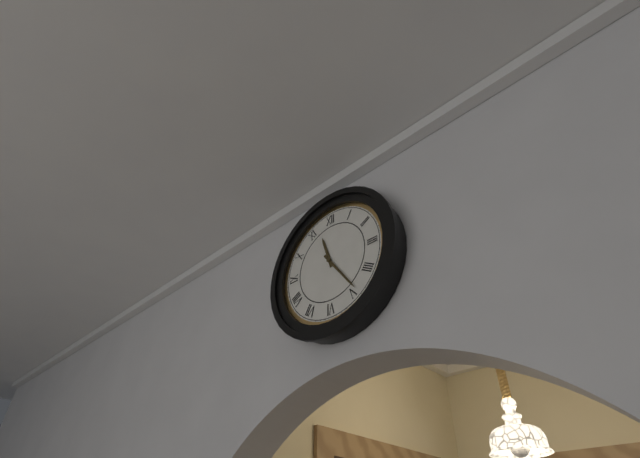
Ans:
11h24
